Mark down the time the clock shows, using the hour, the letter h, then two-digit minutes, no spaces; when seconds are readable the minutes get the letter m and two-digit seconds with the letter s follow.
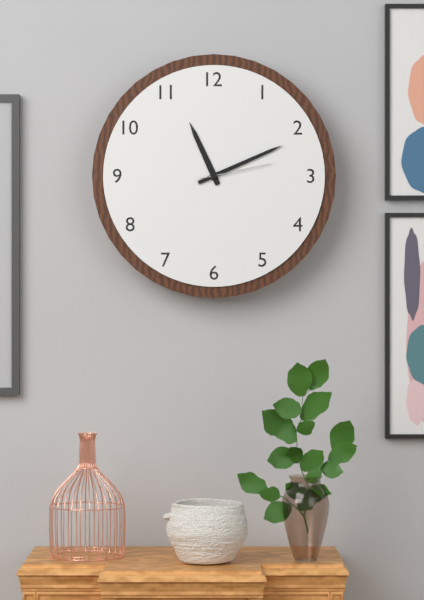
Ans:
11h11m13s
